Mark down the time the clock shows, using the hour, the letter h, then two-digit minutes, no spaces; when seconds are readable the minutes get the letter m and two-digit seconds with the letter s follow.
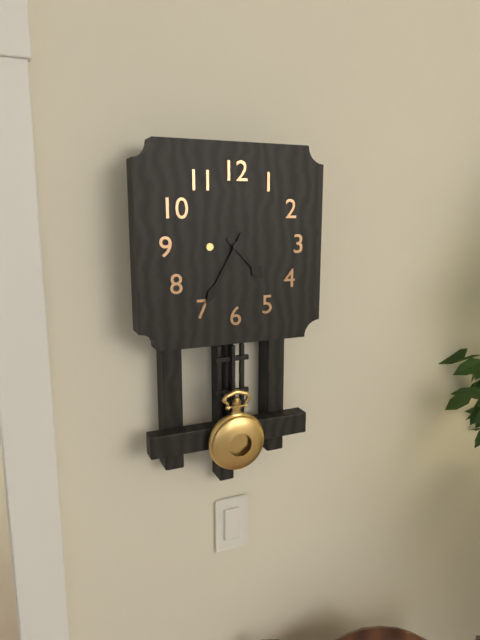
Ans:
4h35
